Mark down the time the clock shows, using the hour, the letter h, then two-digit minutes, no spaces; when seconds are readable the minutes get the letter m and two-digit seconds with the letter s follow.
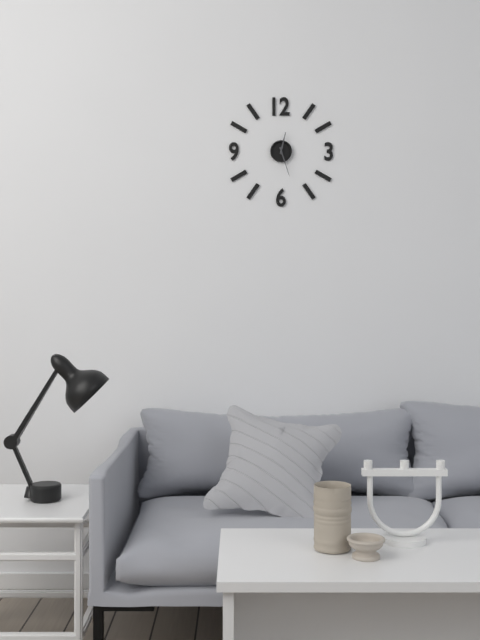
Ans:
12h27
